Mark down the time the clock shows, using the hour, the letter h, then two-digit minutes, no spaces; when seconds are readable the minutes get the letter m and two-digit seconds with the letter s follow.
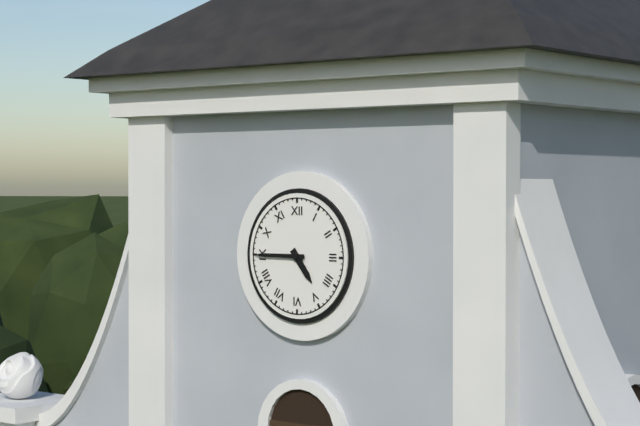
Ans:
4h45
